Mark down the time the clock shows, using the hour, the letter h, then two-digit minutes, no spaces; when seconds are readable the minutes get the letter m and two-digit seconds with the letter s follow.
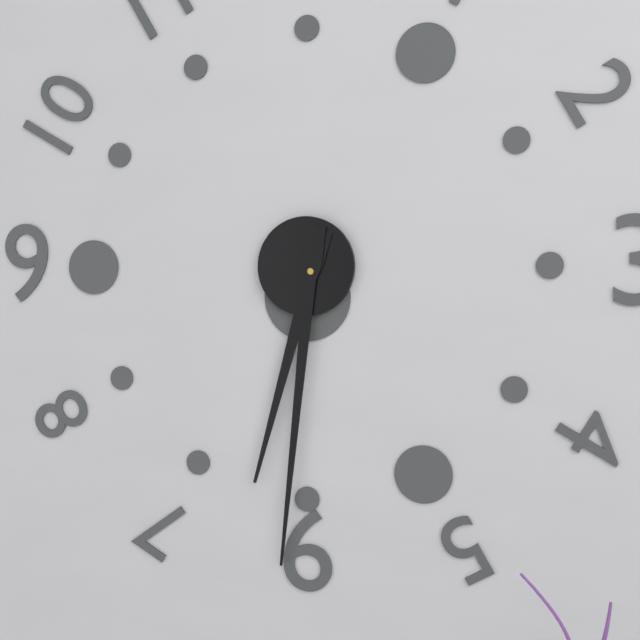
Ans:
6h31
